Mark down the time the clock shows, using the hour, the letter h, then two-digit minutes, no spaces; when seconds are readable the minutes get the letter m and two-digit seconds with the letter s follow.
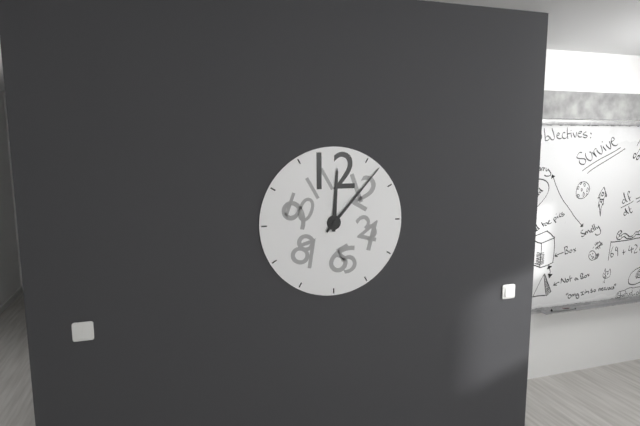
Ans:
12h07
